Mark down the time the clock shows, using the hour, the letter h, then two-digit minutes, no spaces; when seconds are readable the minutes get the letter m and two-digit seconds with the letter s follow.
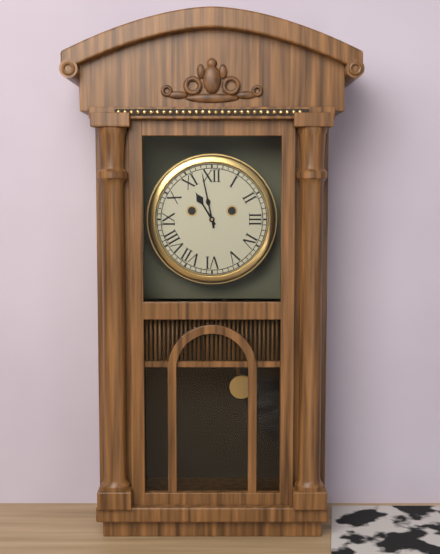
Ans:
10h58
